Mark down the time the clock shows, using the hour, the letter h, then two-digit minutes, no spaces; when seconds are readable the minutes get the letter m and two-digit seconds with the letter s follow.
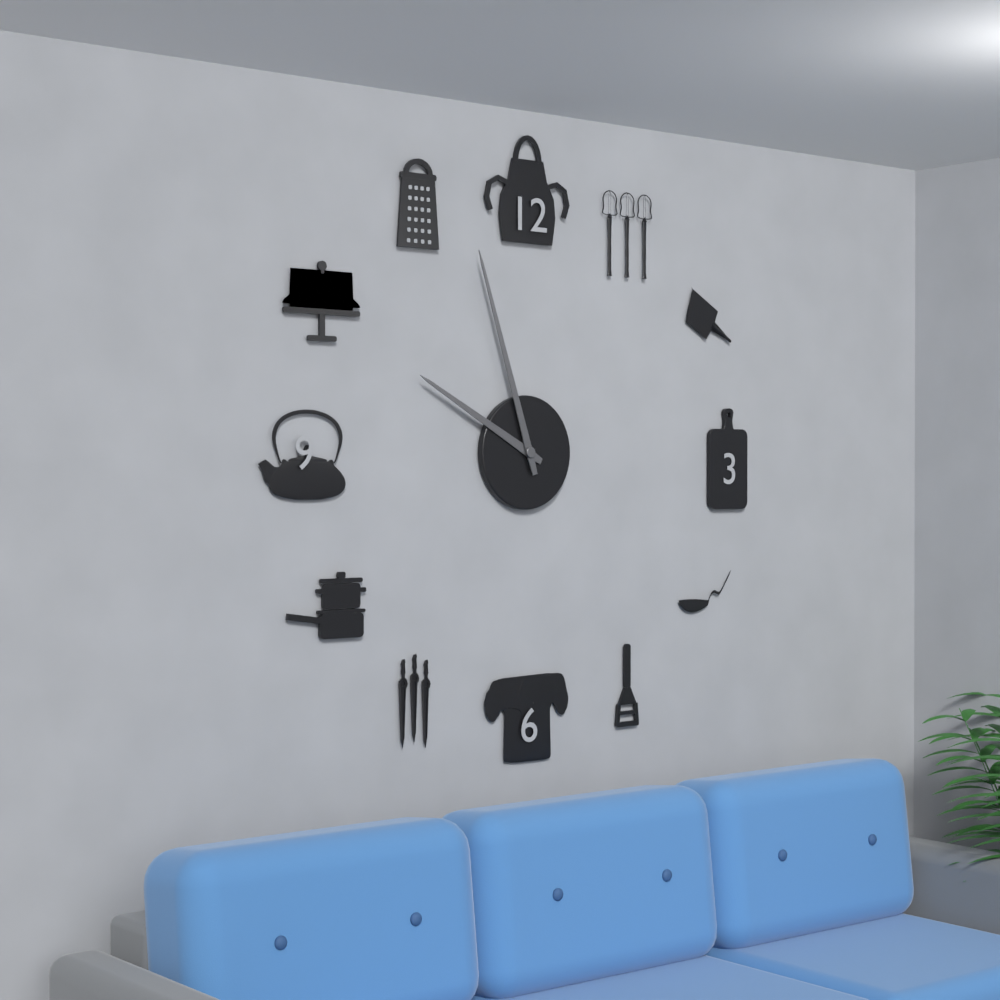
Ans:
9h57
